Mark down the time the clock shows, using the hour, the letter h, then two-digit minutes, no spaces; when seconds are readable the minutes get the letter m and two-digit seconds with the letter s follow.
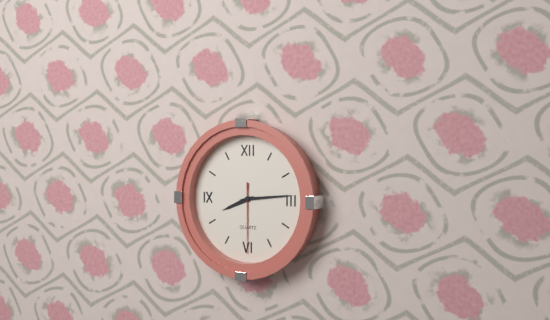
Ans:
8h14m30s
